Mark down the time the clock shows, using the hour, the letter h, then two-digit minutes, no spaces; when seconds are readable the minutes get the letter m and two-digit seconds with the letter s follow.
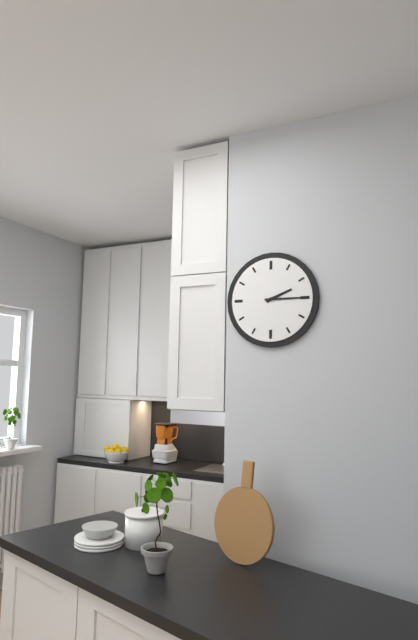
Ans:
2h15
